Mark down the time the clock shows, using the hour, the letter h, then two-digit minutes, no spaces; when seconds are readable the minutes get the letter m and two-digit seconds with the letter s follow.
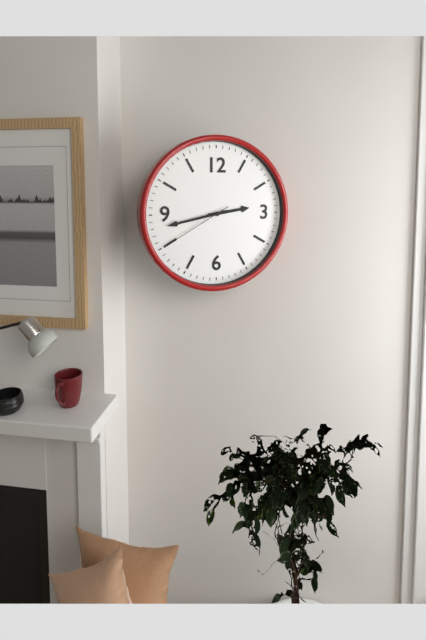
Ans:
2h43m40s
